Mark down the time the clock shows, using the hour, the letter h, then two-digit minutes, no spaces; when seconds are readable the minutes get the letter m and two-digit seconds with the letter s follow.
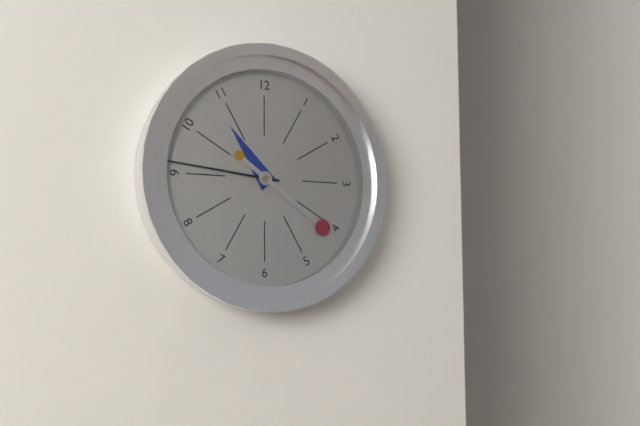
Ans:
10h46m21s
